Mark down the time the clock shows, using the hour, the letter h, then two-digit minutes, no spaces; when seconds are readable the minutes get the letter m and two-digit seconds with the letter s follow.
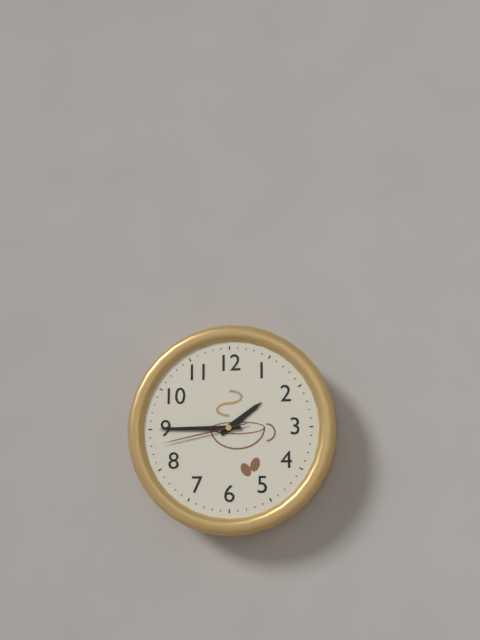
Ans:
1h45m43s
